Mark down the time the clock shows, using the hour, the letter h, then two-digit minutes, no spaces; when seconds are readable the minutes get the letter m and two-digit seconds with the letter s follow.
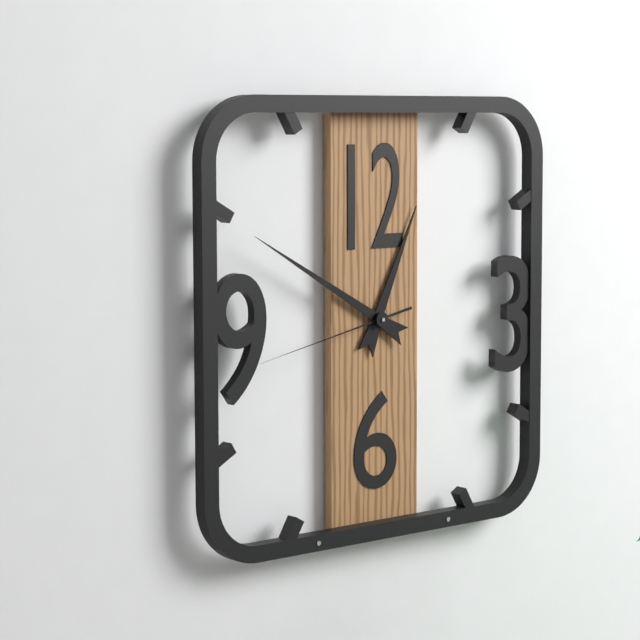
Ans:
12h50m43s
